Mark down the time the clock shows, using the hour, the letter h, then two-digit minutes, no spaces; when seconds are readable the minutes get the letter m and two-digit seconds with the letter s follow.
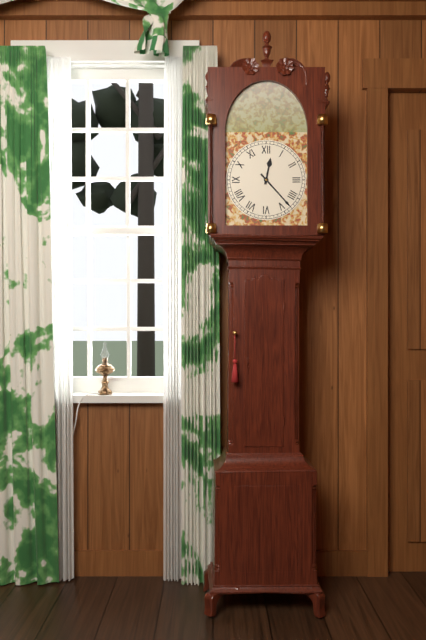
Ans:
12h23
